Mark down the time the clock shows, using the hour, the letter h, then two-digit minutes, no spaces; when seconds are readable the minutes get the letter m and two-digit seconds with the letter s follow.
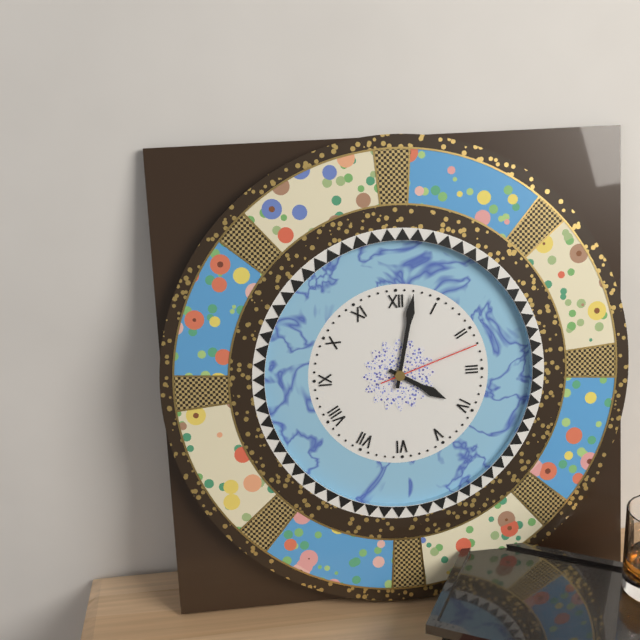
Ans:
4h02m12s
